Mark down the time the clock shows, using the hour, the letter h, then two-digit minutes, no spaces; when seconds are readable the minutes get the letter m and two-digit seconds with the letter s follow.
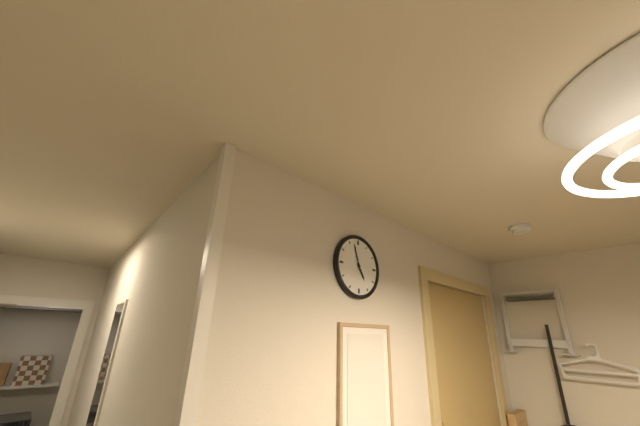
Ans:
4h57
